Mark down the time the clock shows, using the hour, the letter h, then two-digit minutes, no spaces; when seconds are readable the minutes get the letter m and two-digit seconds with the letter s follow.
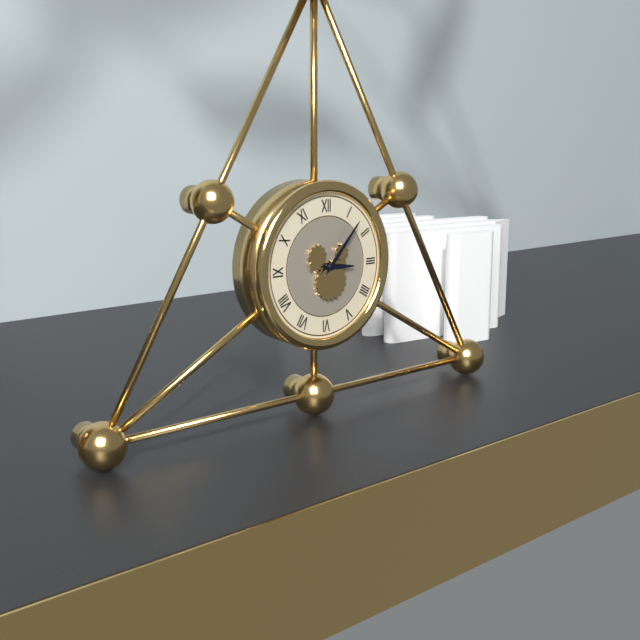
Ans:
3h07
